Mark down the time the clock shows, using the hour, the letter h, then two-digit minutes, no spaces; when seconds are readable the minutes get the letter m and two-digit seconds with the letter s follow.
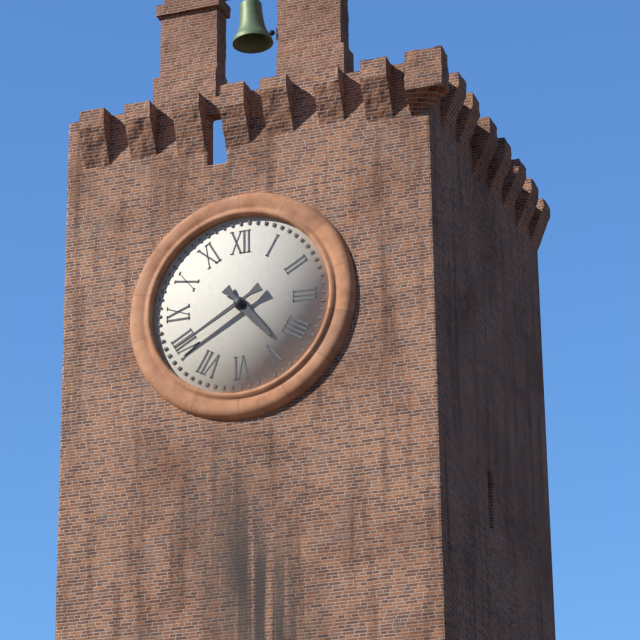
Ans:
4h40
